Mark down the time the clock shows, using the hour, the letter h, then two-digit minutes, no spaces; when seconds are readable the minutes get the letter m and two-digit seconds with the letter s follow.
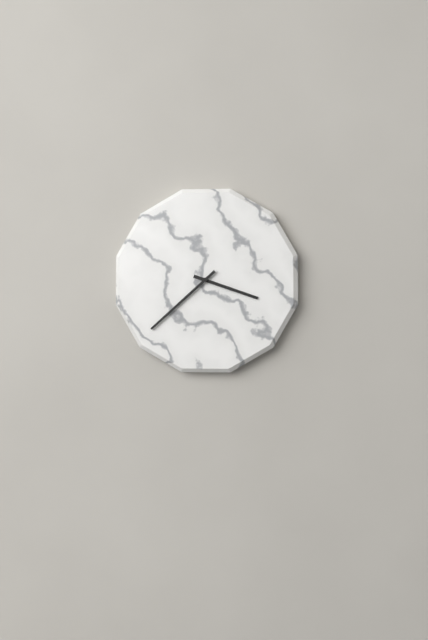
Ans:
3h38
